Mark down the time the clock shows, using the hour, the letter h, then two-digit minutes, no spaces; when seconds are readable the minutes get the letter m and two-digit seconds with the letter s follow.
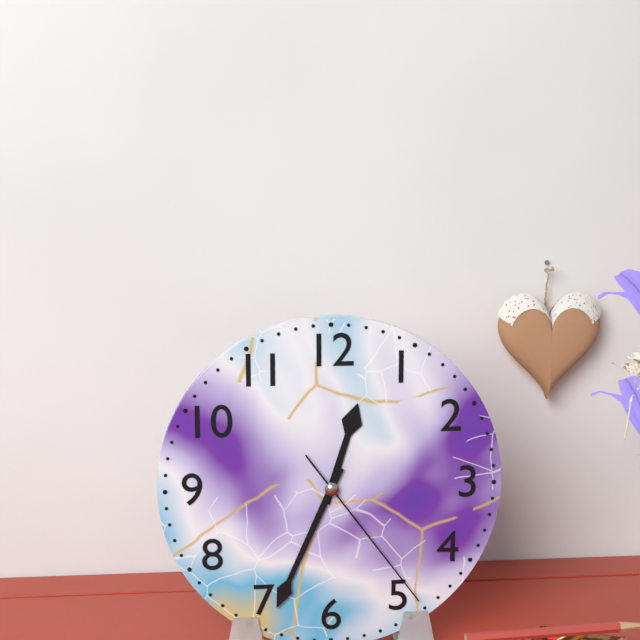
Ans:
12h34m24s
